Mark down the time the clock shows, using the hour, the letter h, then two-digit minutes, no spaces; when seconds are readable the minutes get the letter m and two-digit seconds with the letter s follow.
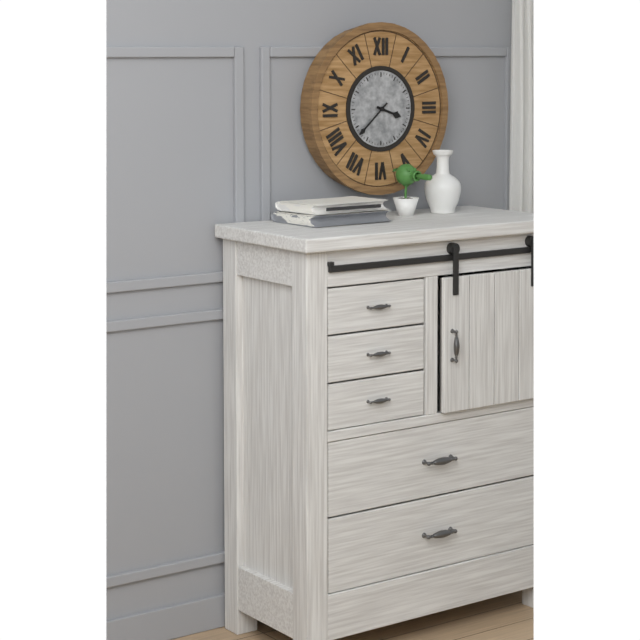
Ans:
3h38
